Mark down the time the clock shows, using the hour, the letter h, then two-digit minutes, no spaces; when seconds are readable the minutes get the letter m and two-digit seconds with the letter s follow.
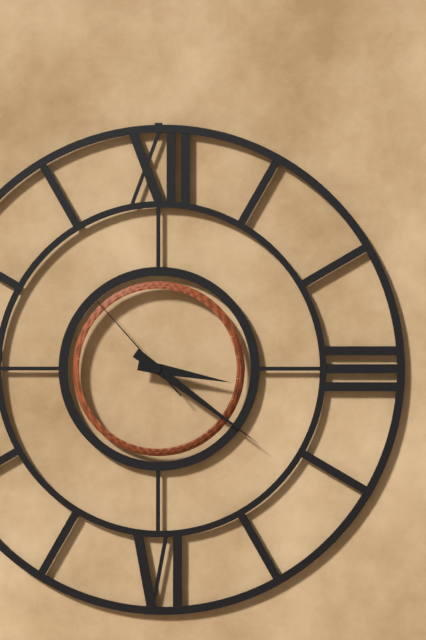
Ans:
3h21m53s
